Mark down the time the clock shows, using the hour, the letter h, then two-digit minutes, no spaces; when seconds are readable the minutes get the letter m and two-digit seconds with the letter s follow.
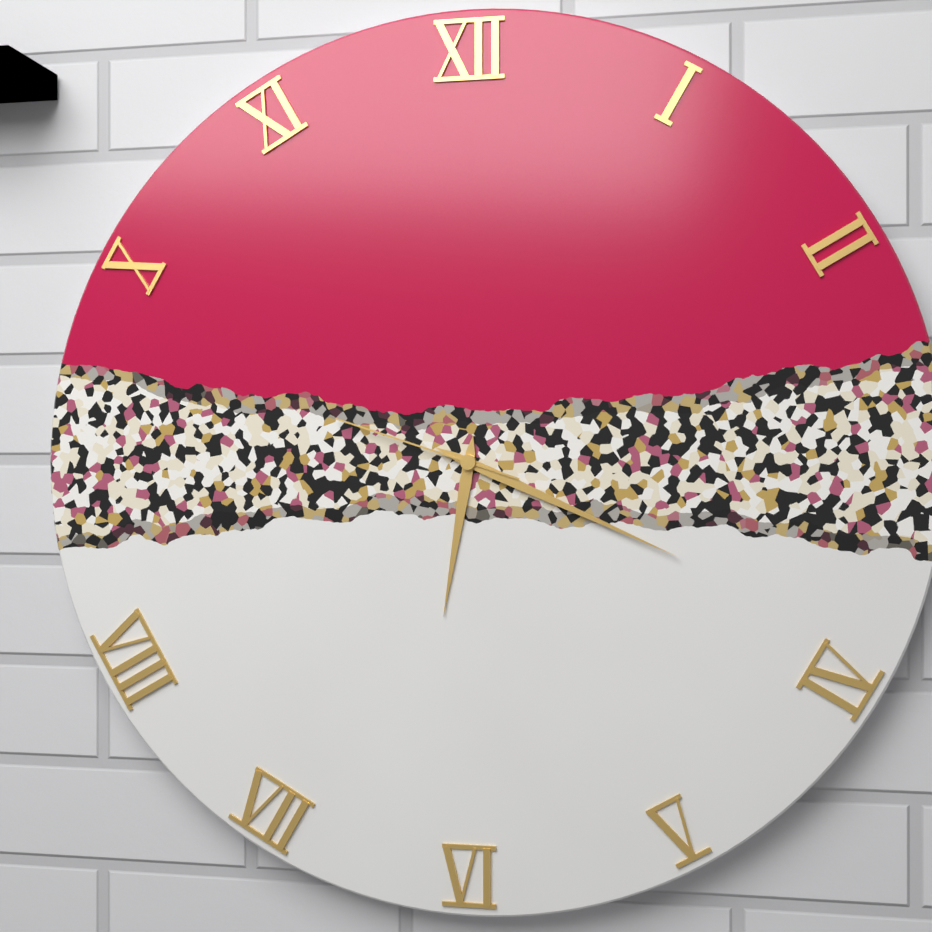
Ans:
6h19m48s
